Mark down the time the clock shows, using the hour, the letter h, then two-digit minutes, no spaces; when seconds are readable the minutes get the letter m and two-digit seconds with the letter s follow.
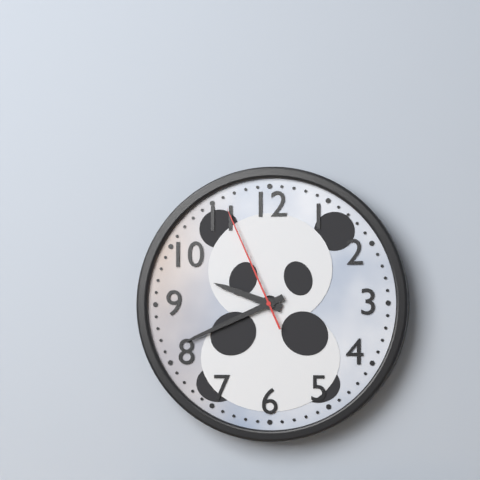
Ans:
9h41m56s
